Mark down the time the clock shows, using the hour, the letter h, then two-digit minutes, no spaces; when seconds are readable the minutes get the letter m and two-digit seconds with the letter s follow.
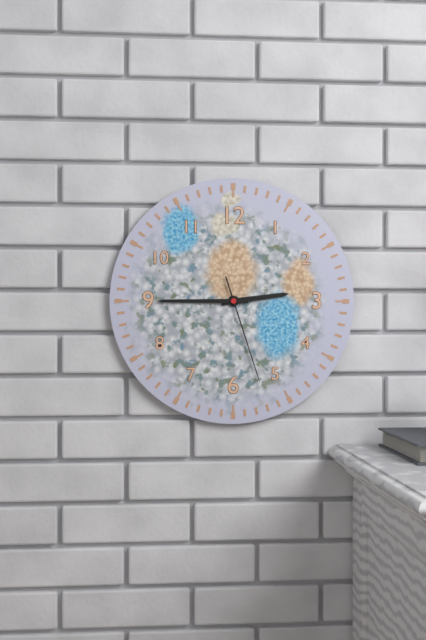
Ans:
2h45m27s
